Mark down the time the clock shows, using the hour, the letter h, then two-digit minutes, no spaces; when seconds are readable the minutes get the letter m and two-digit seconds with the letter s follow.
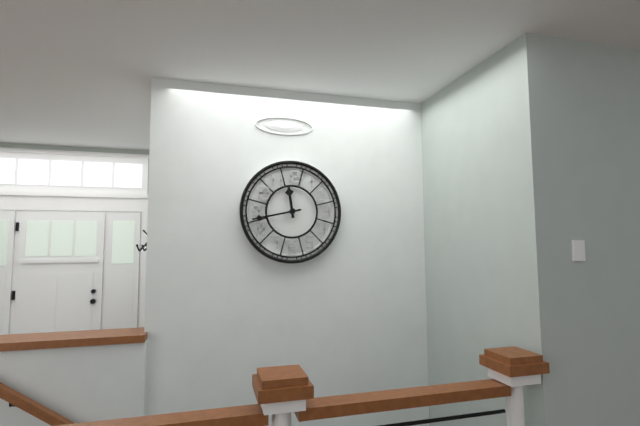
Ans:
11h43
